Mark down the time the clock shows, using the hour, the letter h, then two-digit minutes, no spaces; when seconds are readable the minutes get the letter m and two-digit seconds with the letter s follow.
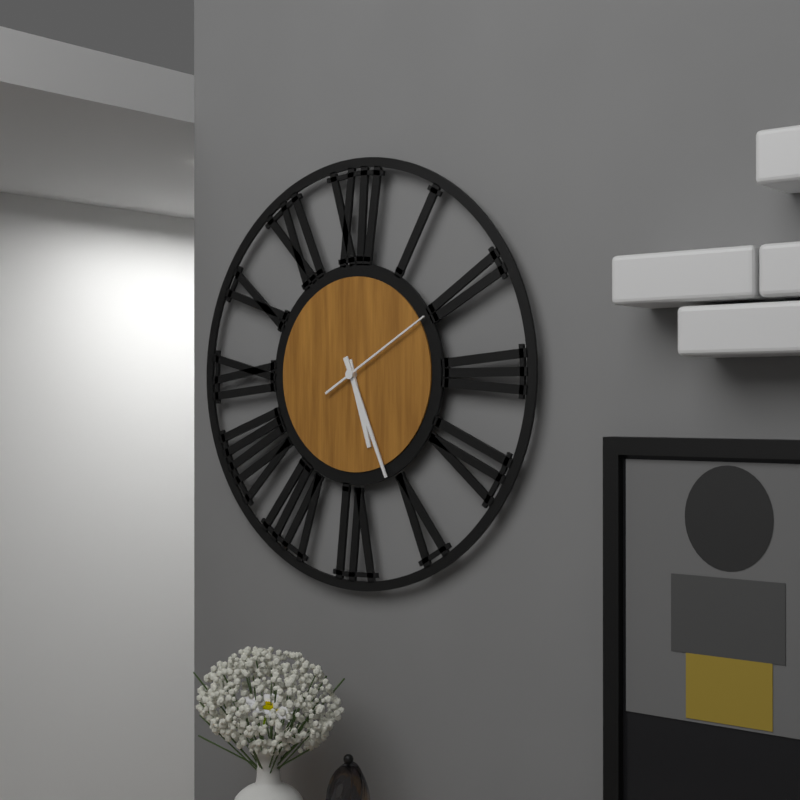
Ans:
5h26m10s
